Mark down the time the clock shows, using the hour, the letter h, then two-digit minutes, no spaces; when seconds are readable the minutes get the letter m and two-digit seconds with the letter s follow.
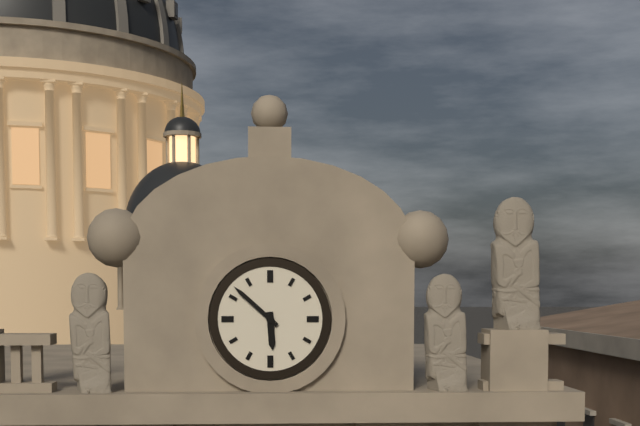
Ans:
5h52
